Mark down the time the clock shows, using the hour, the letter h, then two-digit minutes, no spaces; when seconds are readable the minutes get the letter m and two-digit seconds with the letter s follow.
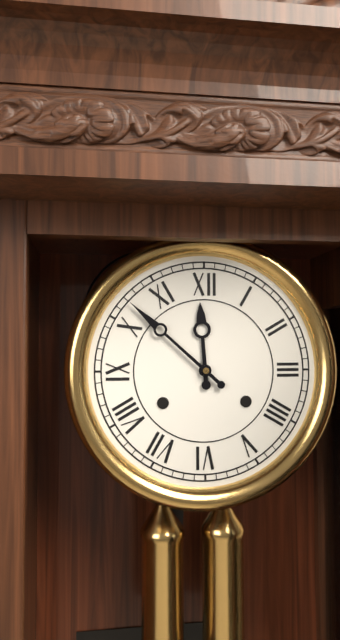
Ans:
11h52
